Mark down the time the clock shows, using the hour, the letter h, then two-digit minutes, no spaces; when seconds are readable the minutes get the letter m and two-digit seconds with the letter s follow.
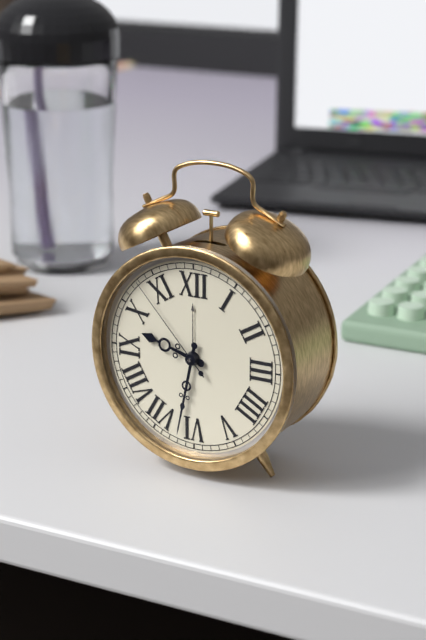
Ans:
9h32m53s
